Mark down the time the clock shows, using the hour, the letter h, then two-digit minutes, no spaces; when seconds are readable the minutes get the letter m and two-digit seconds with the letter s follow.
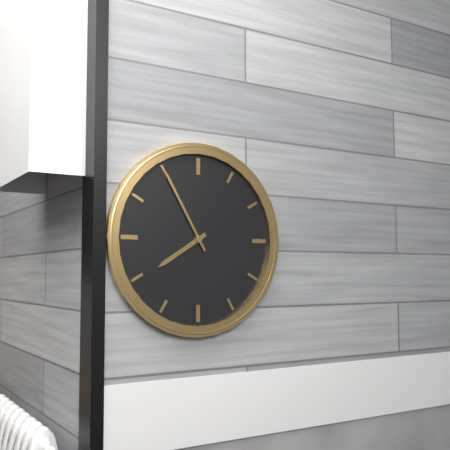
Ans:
7h55
